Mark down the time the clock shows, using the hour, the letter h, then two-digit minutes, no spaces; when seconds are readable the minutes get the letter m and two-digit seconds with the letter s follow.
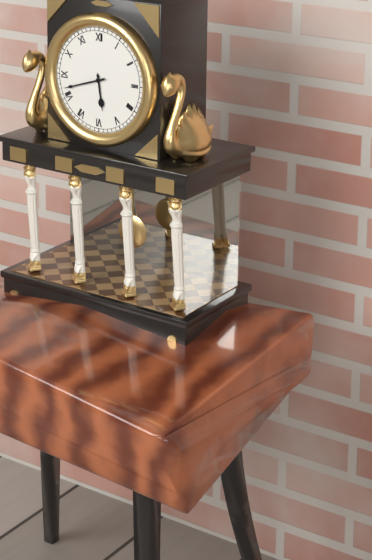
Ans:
5h42
